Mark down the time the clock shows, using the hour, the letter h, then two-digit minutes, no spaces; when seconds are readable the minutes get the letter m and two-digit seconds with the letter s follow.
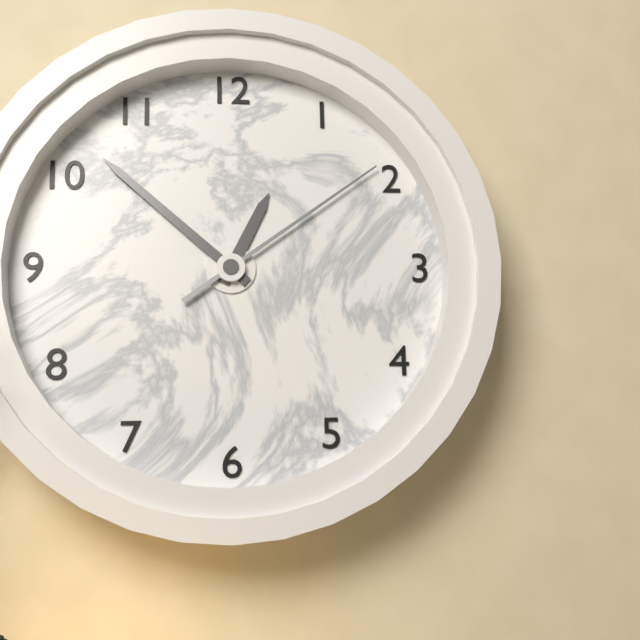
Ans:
12h52m09s
